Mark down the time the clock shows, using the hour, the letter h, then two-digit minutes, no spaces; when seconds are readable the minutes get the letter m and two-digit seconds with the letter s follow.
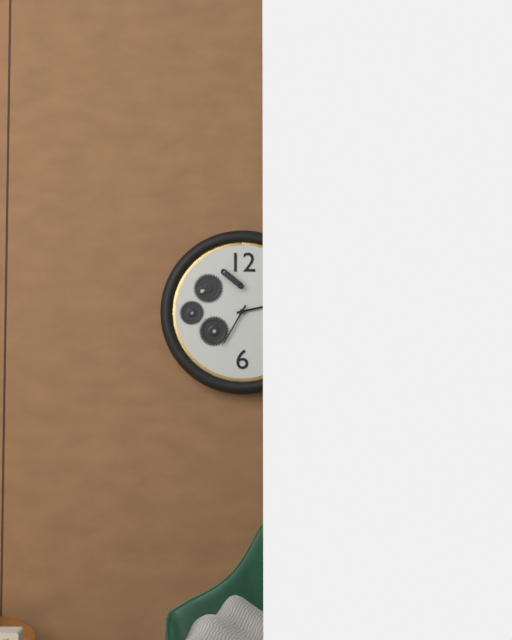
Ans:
2h35
